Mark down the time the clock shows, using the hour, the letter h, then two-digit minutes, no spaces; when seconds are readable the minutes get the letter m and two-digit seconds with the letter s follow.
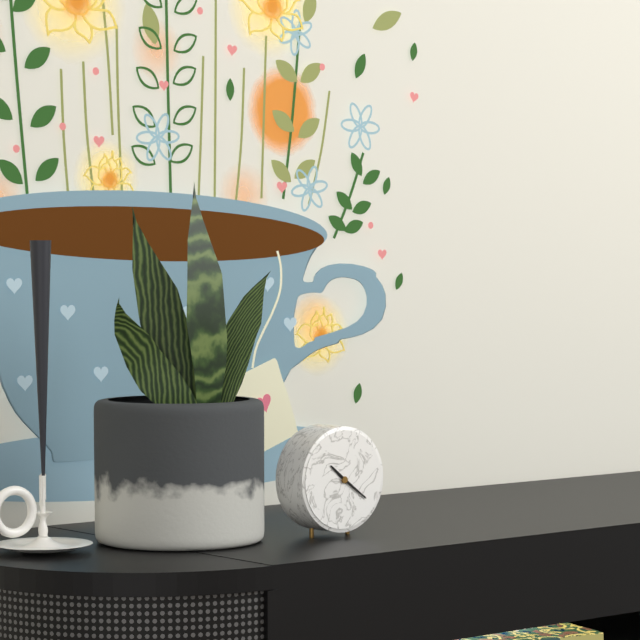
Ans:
10h21
